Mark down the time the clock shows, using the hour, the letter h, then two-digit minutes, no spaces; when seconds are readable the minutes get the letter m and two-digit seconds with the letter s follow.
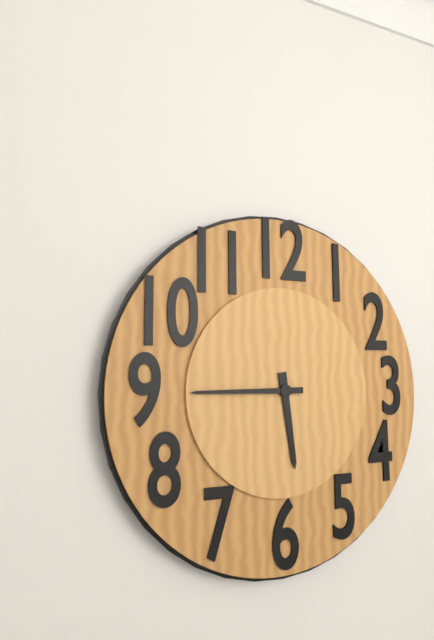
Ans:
5h45
